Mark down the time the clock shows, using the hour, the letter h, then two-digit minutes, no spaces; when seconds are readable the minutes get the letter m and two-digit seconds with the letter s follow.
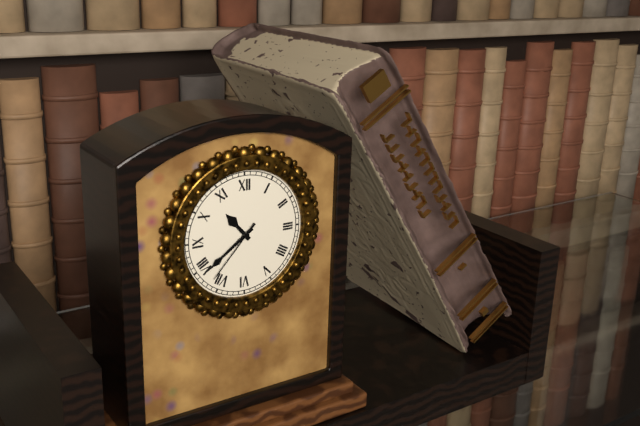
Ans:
10h39m37s
